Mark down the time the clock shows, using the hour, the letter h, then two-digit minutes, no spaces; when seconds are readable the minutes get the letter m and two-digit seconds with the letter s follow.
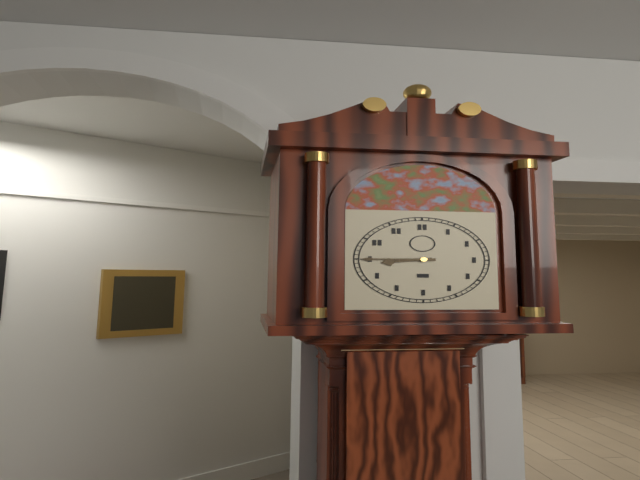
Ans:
8h45
